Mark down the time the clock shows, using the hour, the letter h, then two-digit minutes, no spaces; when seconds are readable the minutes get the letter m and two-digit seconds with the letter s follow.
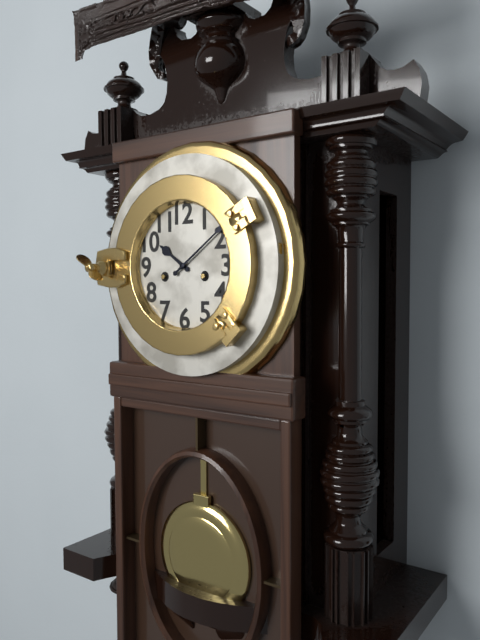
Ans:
10h09
